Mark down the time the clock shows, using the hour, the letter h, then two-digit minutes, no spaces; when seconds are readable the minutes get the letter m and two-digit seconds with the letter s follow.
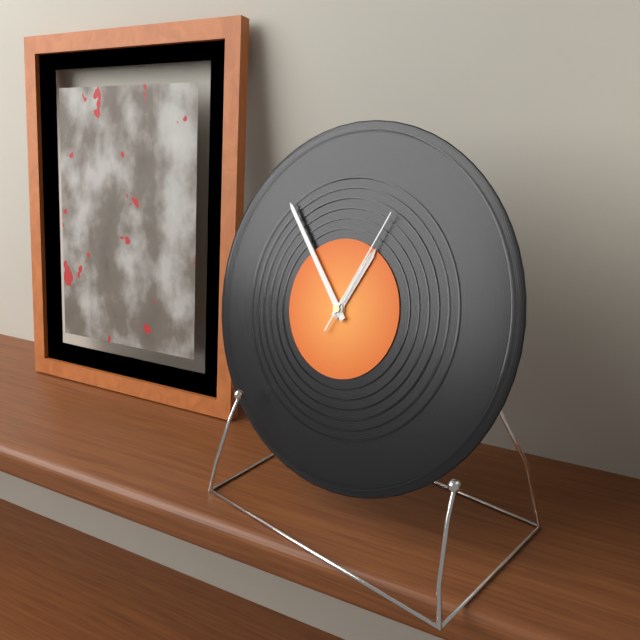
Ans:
12h53m04s
